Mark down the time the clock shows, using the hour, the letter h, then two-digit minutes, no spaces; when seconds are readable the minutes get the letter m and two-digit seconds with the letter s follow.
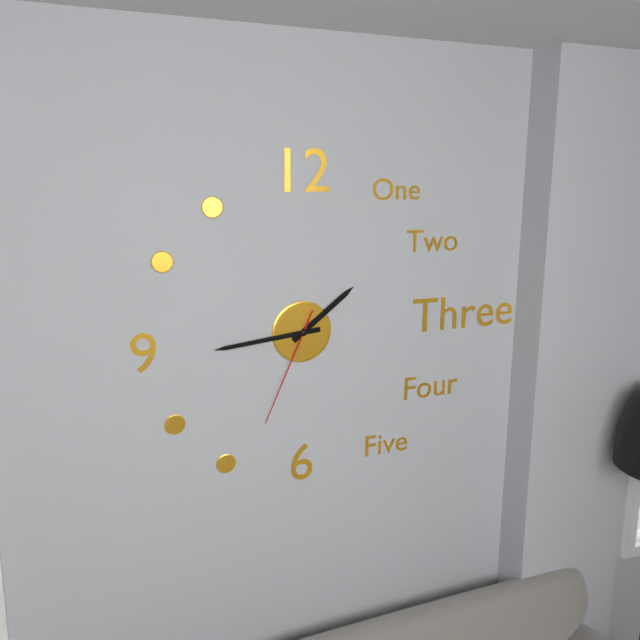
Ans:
1h44m34s
